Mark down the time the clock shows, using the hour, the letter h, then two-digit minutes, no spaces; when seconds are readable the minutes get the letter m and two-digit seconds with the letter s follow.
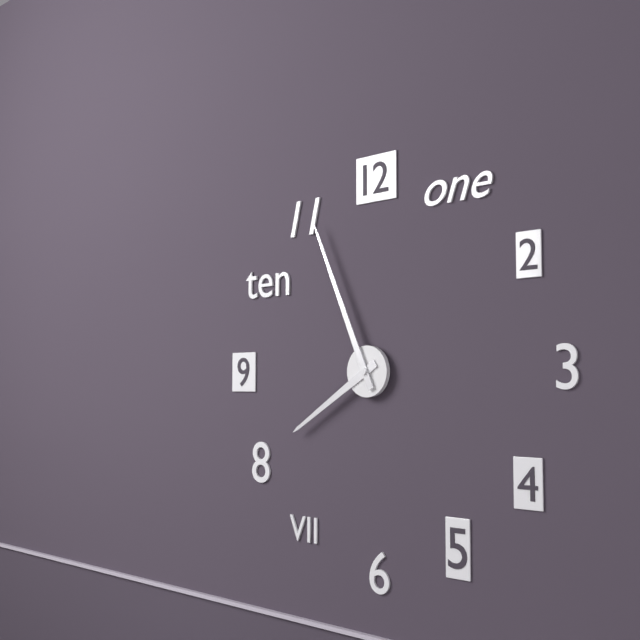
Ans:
7h56
